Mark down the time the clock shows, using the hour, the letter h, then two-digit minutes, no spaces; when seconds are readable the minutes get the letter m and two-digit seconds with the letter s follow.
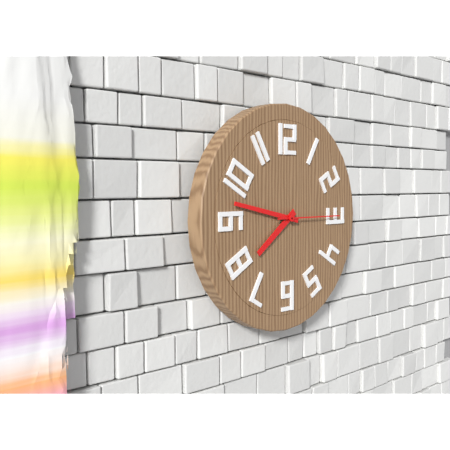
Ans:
7h47m15s
